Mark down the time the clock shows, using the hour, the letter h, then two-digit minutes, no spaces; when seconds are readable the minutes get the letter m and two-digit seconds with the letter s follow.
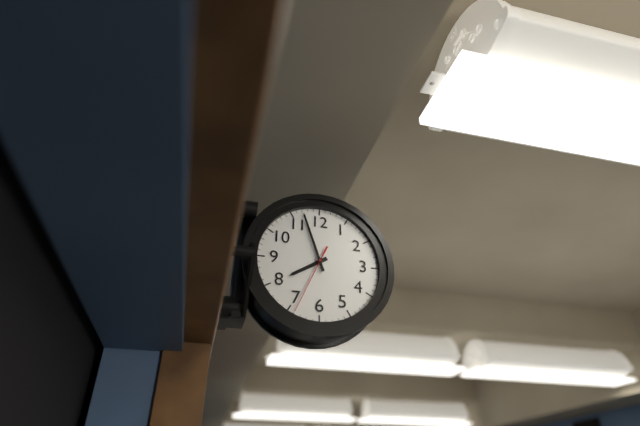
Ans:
7h57m34s
